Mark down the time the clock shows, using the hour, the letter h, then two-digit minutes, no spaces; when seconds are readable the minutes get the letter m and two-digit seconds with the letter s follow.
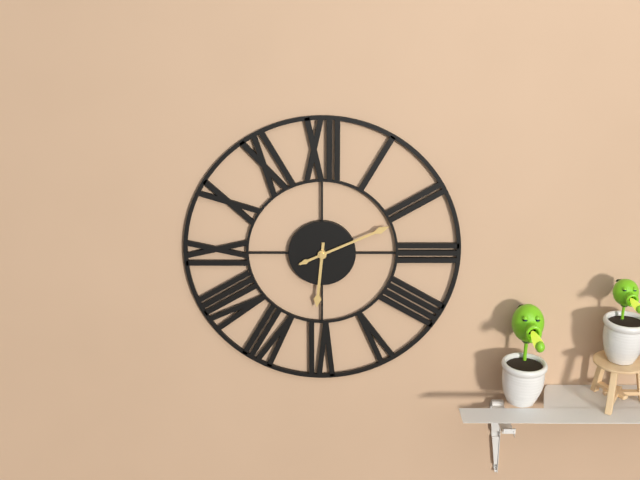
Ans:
6h11
